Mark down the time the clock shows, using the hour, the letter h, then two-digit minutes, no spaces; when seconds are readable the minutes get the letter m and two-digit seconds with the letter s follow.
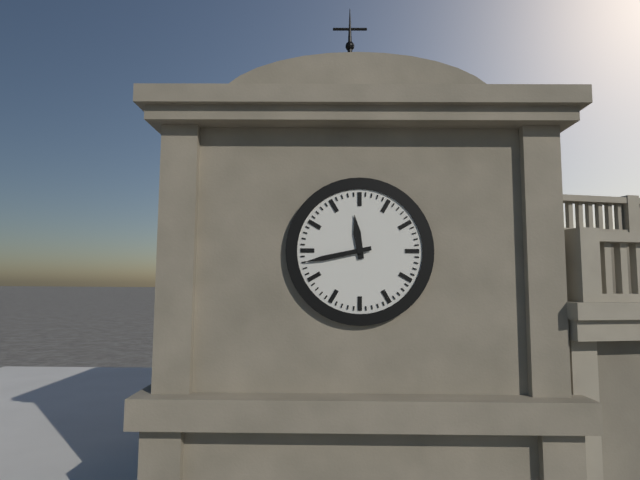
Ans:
11h43
